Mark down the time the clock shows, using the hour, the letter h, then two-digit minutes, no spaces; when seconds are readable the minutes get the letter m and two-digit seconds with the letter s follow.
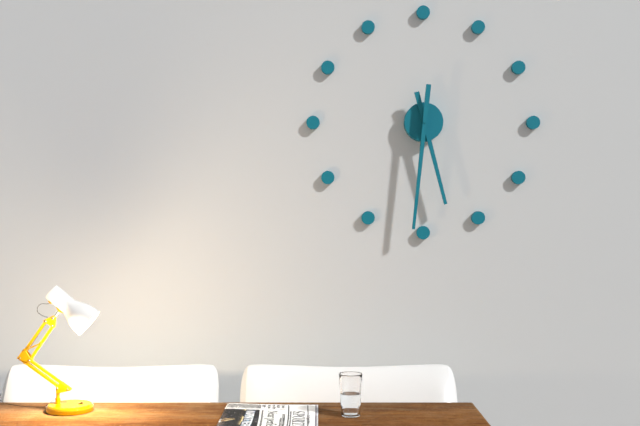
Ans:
5h31
